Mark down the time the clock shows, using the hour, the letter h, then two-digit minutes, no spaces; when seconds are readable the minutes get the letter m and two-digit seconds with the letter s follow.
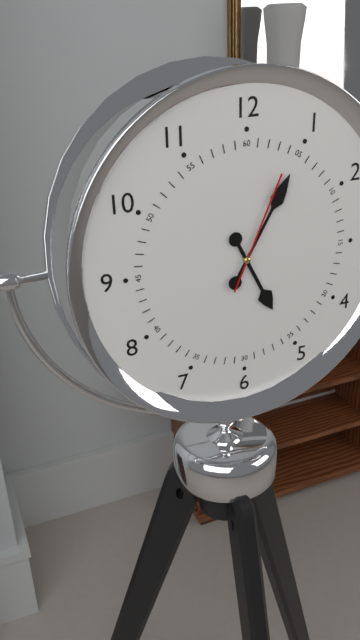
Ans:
5h05m04s
